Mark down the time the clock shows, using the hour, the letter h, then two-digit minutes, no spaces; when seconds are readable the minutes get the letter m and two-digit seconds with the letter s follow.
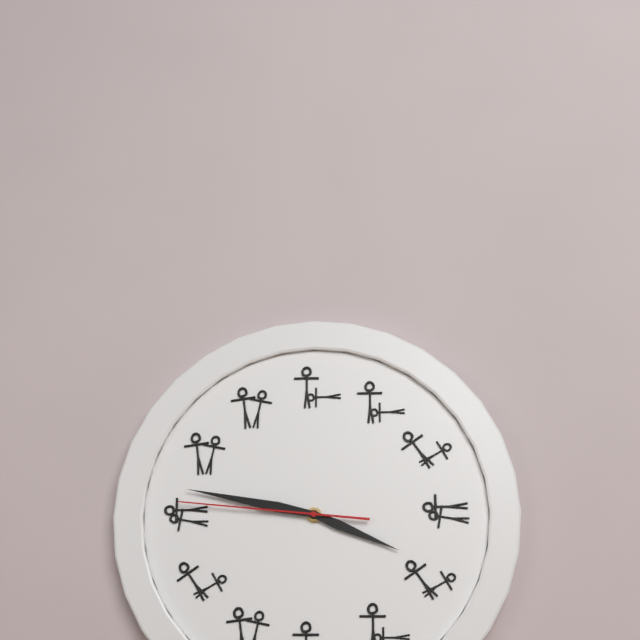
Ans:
3h47m46s
